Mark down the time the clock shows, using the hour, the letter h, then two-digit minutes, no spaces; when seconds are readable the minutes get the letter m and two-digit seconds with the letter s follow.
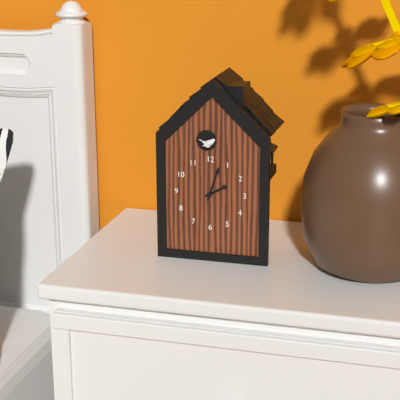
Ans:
2h03
